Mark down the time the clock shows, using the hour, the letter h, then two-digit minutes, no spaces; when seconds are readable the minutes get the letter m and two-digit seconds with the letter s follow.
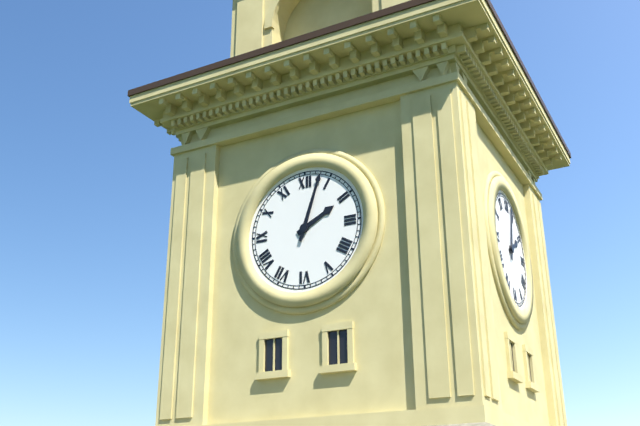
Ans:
2h03
